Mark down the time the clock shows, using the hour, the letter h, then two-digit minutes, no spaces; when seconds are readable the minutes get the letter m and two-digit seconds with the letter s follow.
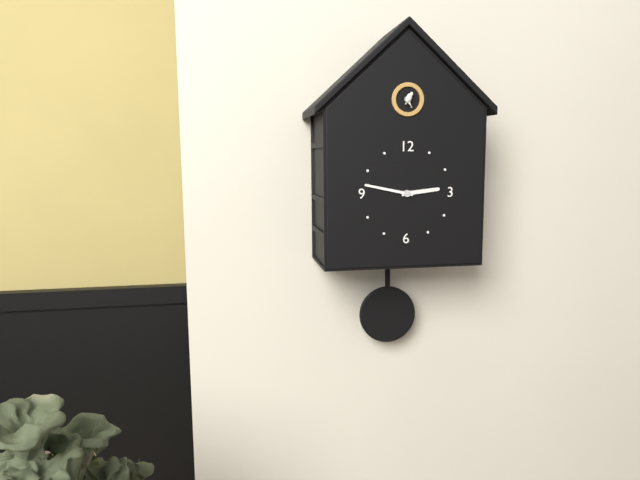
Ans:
2h47
